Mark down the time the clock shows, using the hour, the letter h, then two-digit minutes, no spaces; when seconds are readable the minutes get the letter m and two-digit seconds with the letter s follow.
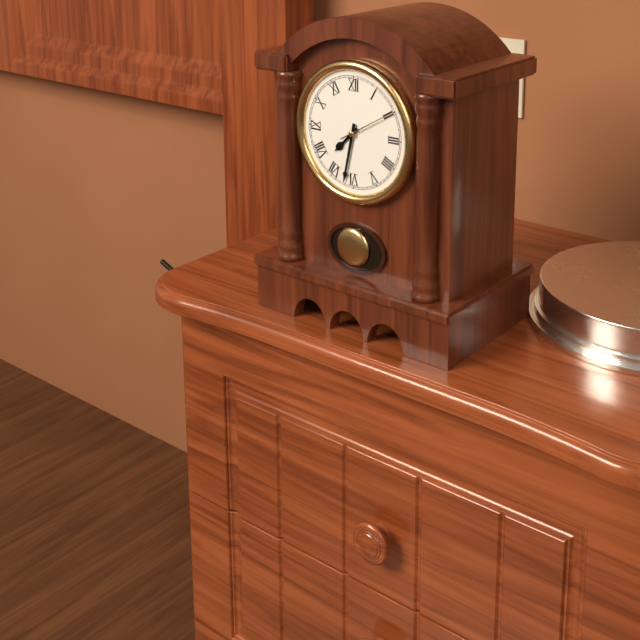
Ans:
7h32m10s
